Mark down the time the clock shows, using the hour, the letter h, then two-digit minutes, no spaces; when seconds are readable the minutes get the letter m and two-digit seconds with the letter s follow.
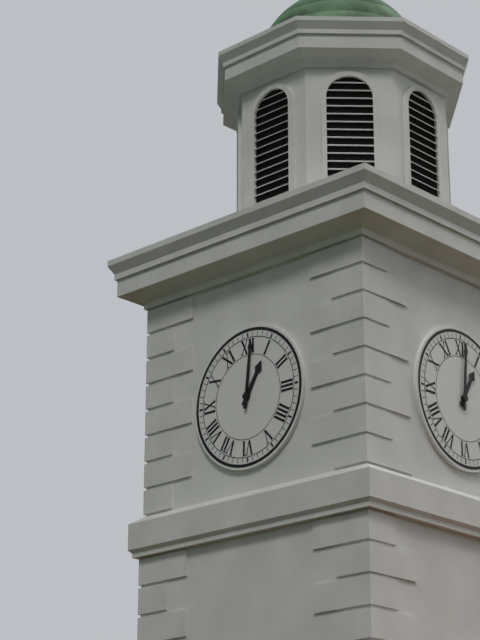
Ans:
1h01
